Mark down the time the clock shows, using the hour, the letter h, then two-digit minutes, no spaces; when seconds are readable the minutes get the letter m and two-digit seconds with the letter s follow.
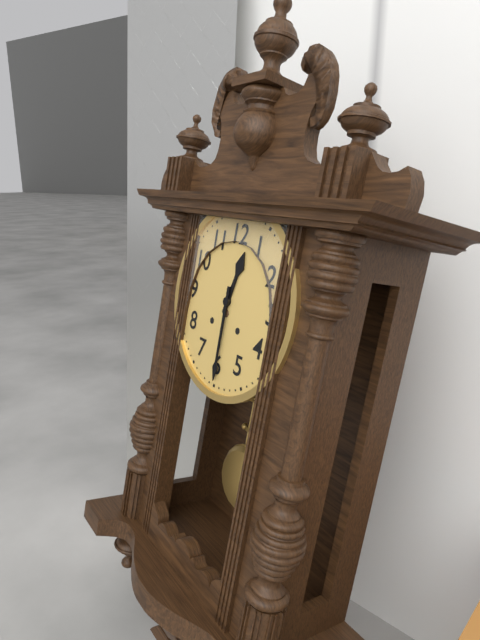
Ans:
12h30
